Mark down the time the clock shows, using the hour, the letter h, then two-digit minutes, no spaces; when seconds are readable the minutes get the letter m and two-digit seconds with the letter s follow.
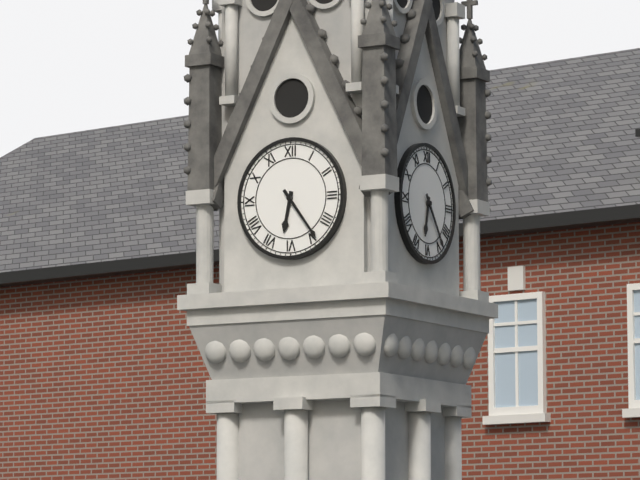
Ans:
6h24
